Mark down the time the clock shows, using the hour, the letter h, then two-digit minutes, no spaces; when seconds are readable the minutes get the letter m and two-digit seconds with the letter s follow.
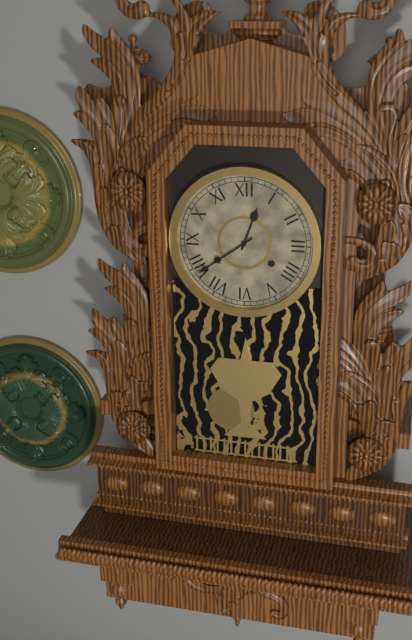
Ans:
12h39
